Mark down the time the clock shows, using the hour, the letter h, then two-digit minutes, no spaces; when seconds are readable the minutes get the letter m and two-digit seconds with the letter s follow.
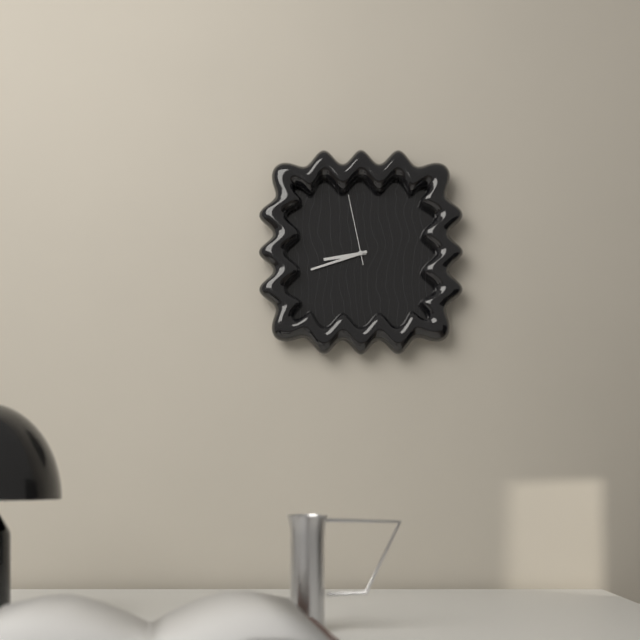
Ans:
8h42m58s
